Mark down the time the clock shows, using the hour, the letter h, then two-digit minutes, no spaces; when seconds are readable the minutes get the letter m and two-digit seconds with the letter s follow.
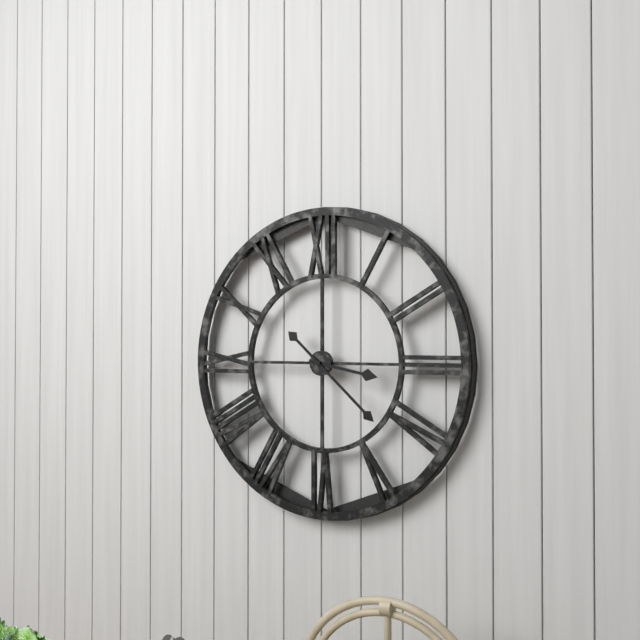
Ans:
3h22
